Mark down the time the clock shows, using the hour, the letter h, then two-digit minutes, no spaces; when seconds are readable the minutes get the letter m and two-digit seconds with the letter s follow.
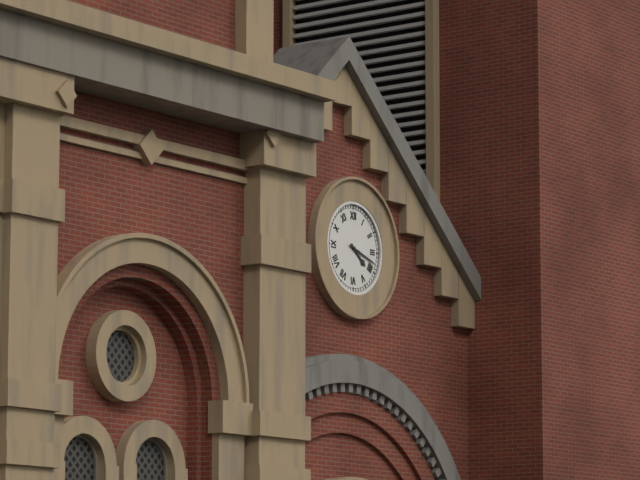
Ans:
4h18
